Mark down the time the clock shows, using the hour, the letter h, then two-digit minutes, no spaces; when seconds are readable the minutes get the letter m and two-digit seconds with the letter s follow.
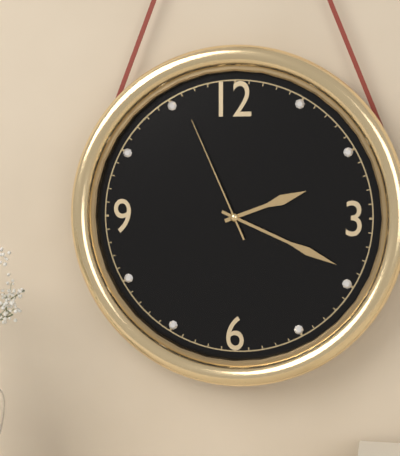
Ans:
2h19m56s
